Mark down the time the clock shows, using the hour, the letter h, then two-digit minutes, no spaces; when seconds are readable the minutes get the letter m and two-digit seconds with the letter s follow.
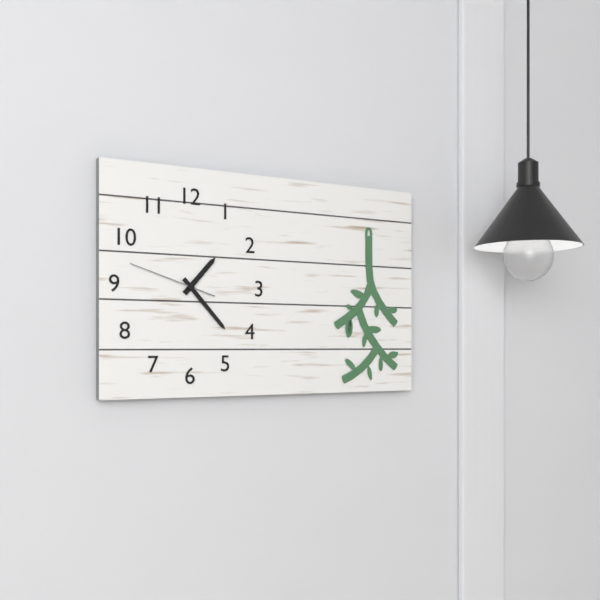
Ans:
1h23m48s
